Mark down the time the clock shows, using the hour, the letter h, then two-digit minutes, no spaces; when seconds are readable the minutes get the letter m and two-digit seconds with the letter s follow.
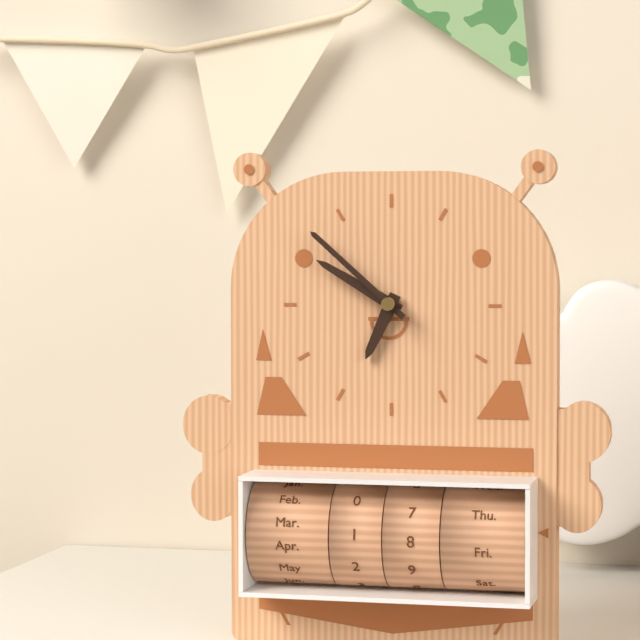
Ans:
6h50m52s
